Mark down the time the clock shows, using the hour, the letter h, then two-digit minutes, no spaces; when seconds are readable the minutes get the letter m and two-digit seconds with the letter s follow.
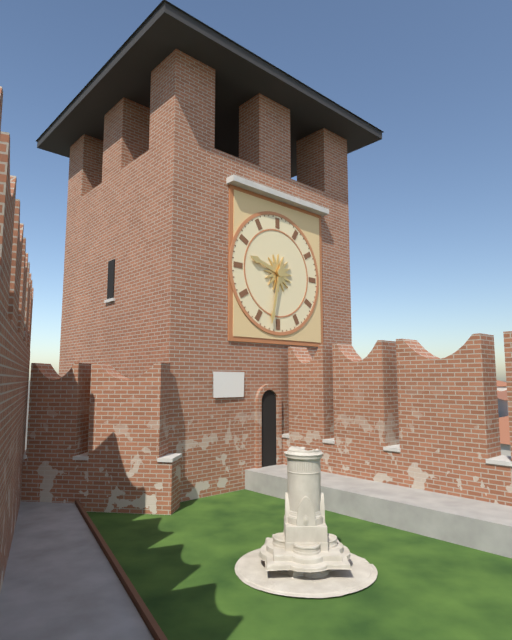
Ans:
9h32
